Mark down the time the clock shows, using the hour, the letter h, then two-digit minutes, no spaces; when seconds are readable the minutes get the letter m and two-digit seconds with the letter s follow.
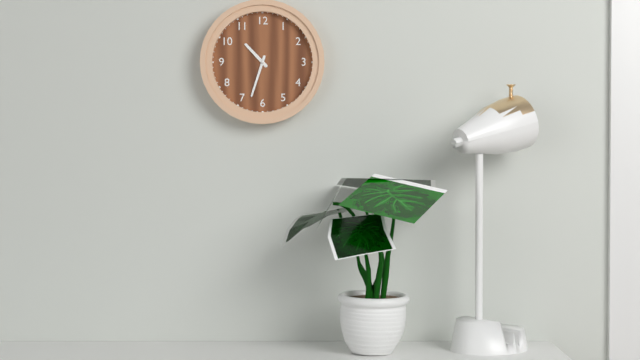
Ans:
10h33
